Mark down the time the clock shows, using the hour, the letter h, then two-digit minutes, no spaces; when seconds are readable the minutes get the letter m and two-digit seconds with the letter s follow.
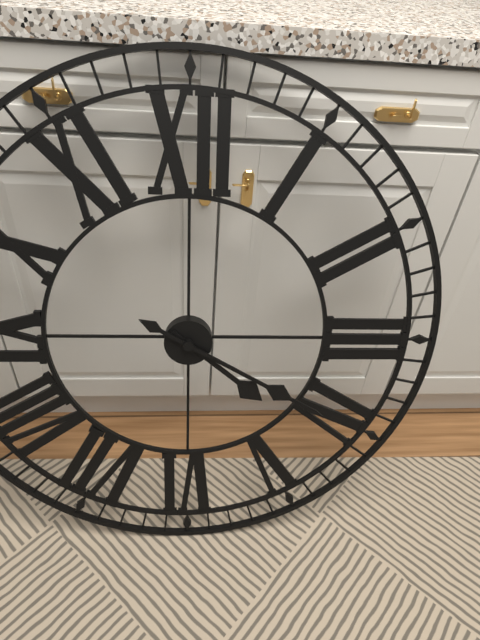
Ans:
4h20
